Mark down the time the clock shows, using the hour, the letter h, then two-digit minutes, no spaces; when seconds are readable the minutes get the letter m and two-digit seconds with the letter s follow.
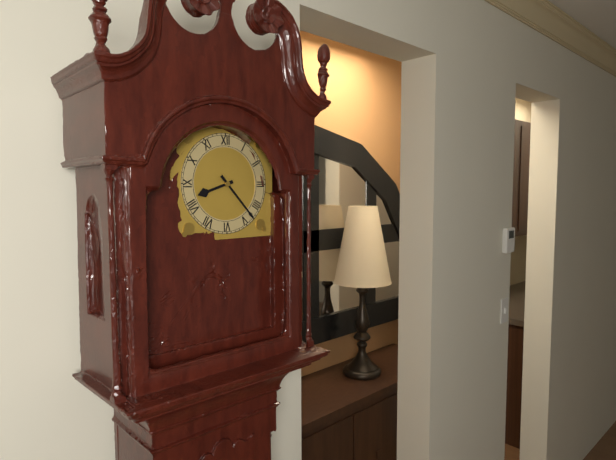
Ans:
8h23
